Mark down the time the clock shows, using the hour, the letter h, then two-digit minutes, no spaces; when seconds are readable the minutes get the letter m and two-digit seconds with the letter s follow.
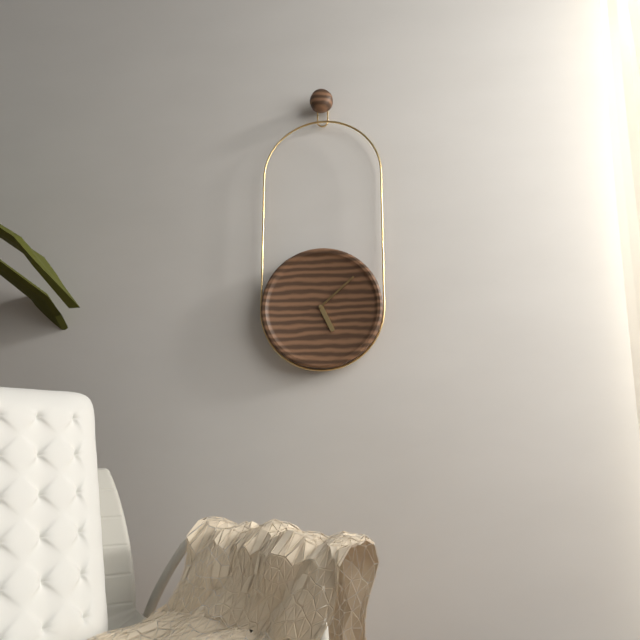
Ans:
5h08
